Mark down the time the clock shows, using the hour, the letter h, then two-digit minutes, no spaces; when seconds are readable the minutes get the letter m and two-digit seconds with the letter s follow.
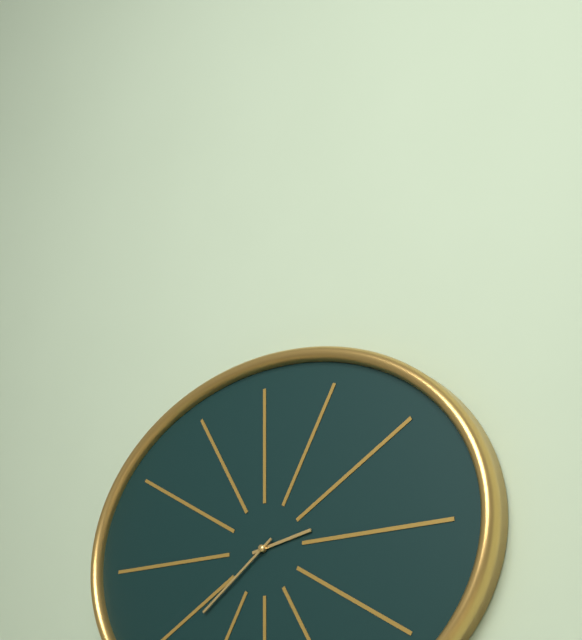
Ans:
2h39
